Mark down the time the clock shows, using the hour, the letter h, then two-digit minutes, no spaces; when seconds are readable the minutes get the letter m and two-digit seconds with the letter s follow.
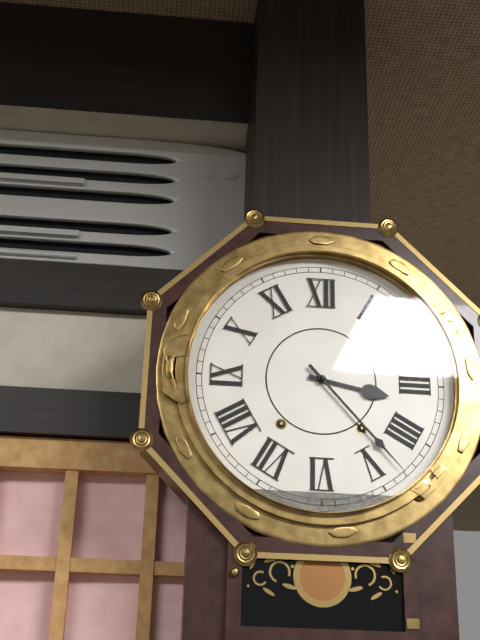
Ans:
3h23
